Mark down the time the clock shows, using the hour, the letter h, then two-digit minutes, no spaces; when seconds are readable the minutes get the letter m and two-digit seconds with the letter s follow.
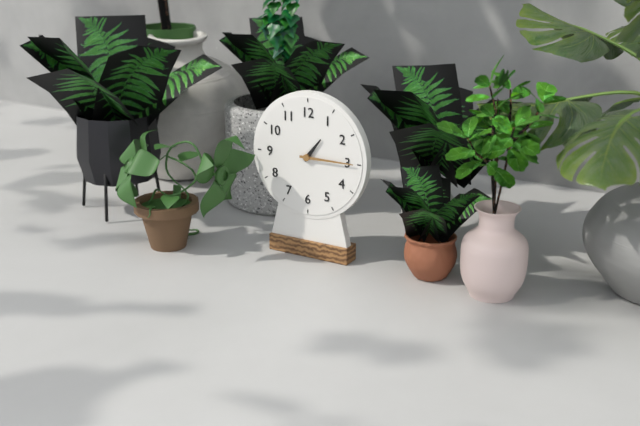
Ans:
1h15
